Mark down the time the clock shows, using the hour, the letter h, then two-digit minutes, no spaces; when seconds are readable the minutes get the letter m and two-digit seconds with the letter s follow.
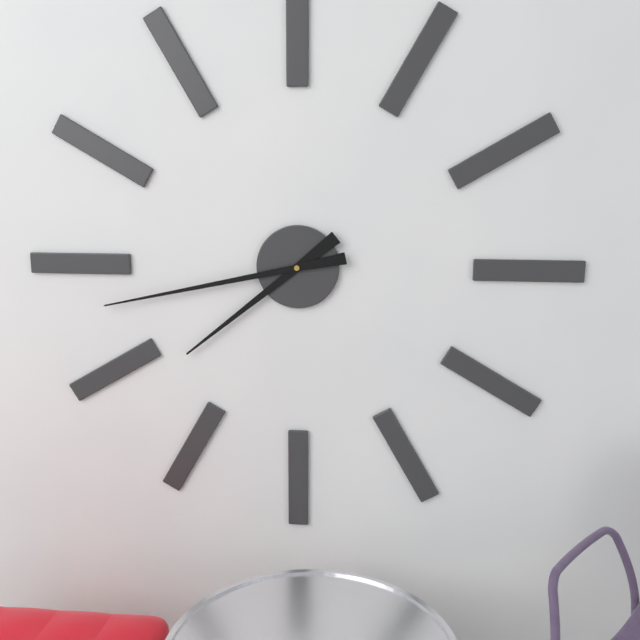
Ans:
7h43
